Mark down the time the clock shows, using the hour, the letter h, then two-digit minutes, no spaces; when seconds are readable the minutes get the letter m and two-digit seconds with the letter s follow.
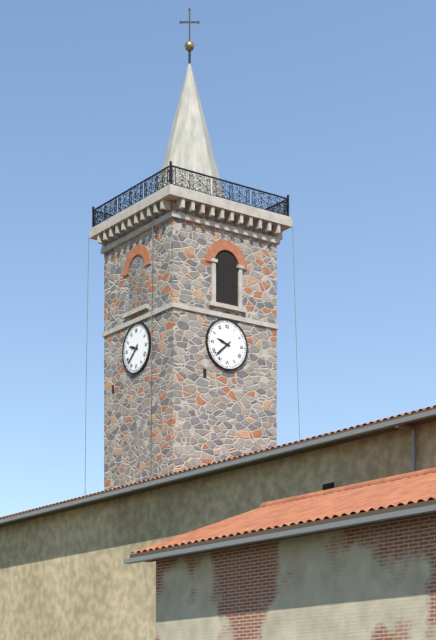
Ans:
9h38
